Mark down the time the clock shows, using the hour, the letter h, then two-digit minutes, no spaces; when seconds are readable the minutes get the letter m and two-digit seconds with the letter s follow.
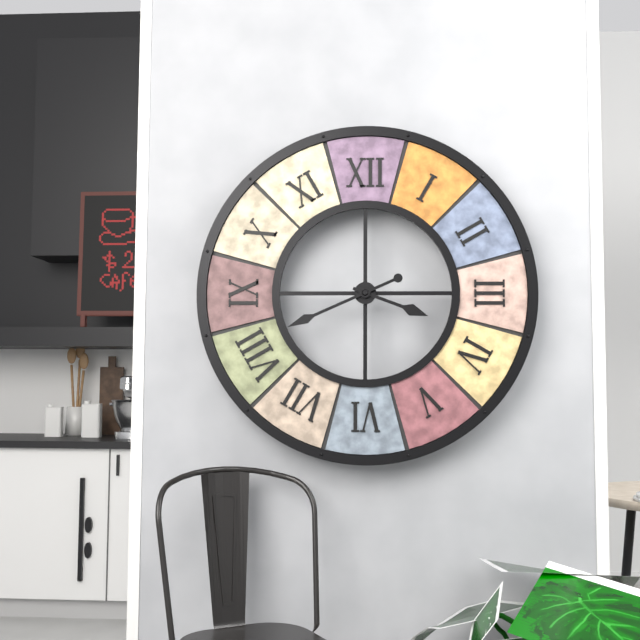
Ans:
3h41
